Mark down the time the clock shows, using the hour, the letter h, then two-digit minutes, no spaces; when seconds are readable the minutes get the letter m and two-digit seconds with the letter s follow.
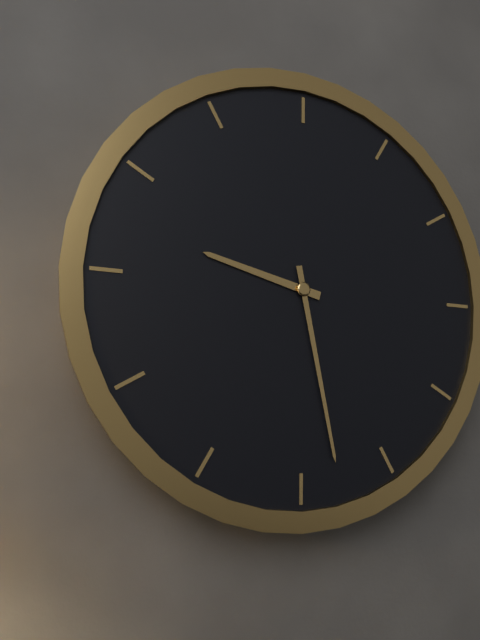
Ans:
9h28
